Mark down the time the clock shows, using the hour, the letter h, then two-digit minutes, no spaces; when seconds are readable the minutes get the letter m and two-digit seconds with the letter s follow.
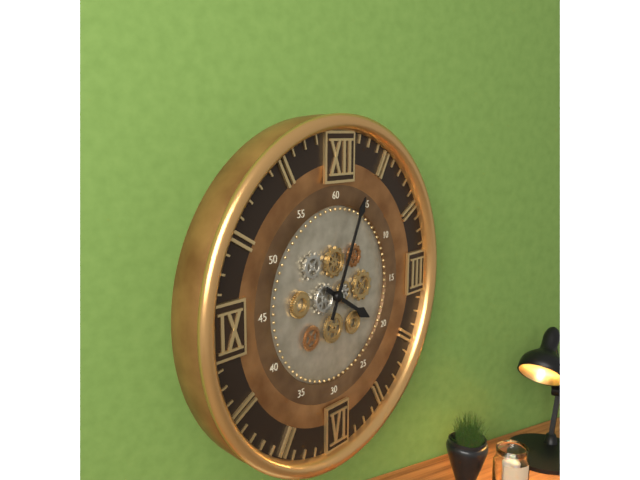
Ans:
4h04
